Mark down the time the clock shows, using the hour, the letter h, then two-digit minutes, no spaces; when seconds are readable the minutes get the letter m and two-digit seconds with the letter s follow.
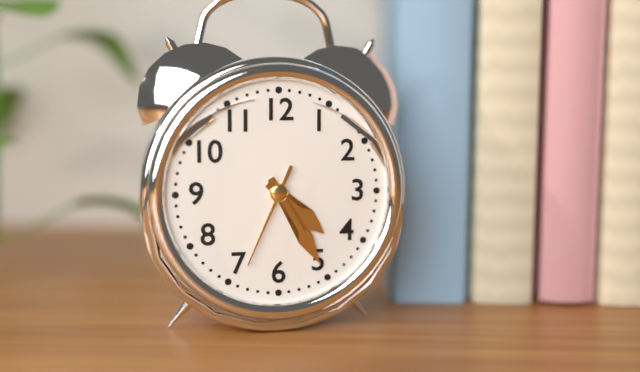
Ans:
4h25m34s
